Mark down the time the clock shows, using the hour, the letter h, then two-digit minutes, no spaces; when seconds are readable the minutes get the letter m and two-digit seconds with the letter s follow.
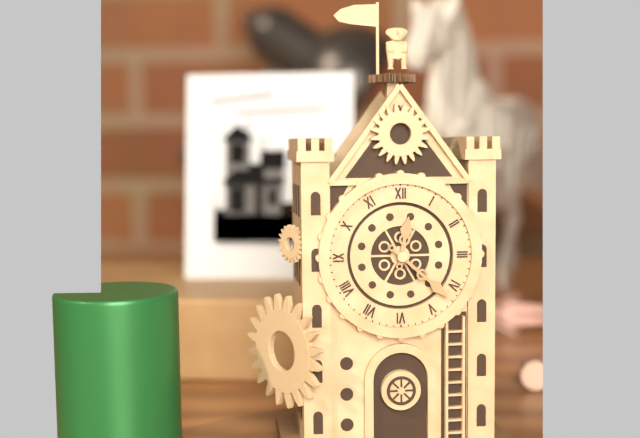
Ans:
12h22
